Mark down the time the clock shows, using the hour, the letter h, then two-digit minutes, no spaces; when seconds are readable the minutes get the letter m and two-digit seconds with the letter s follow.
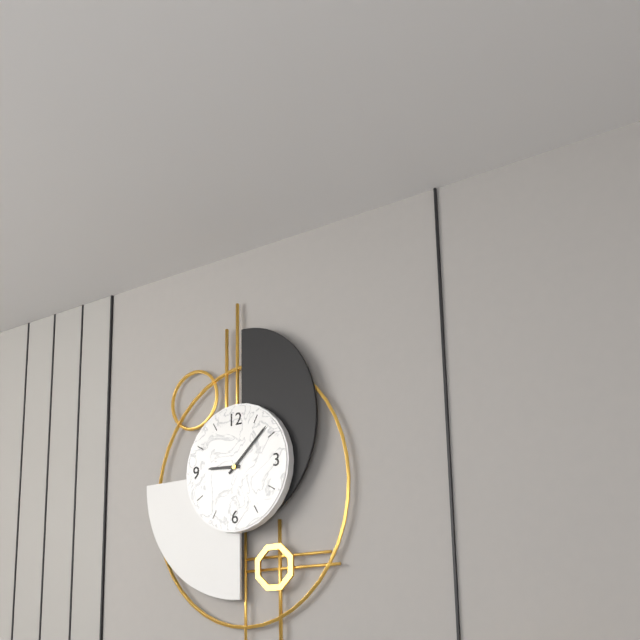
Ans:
9h08
